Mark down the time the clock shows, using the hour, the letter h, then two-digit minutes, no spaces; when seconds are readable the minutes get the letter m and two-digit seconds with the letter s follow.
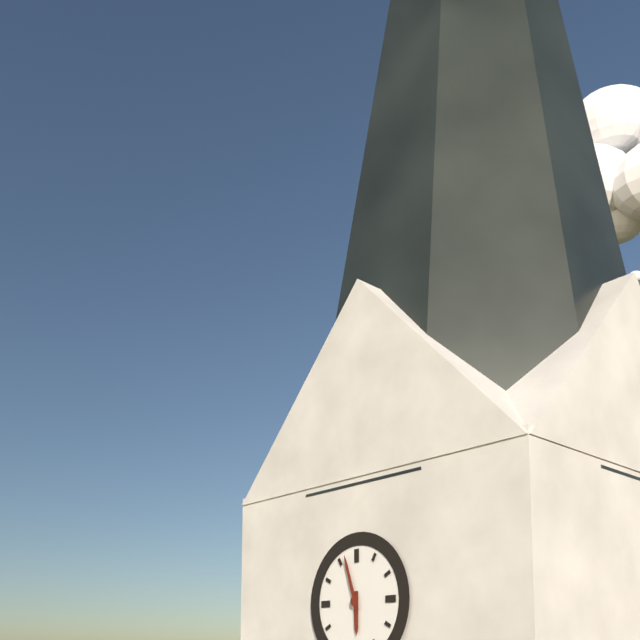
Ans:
5h57
